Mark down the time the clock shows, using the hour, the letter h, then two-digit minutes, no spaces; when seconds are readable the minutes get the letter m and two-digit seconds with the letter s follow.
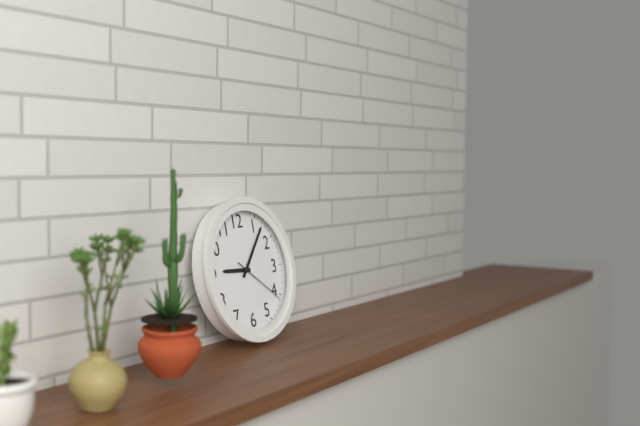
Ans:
9h07m21s
